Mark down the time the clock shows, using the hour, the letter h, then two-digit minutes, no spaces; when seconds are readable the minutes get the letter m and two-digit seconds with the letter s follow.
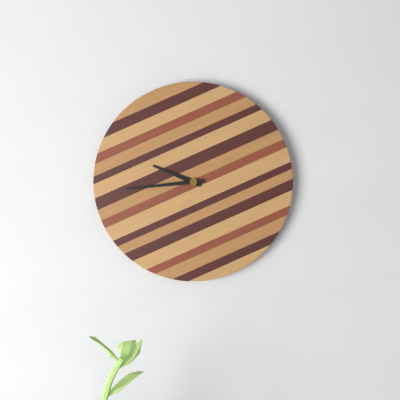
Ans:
9h44
